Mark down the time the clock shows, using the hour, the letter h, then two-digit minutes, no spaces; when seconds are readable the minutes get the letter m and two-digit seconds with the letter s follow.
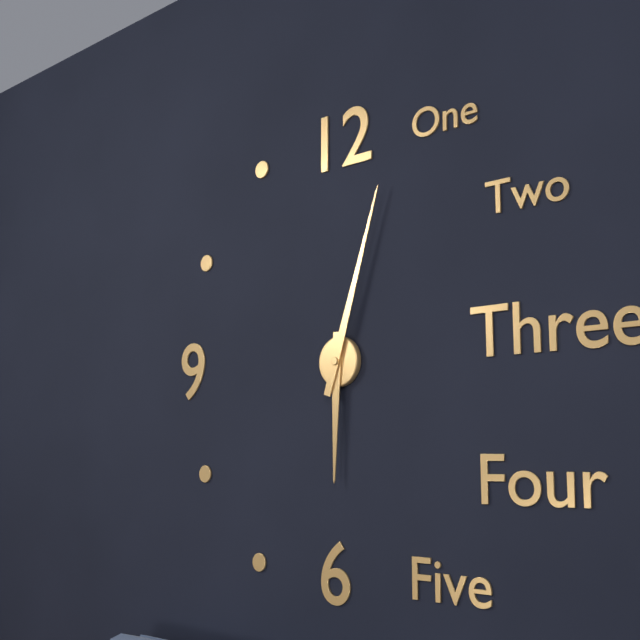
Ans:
6h03
